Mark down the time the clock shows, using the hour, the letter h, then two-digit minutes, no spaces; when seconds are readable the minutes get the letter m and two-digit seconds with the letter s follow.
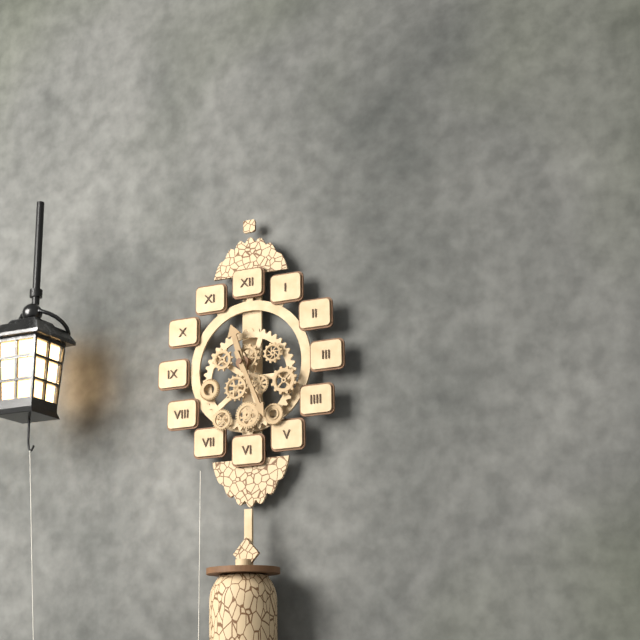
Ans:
11h26
